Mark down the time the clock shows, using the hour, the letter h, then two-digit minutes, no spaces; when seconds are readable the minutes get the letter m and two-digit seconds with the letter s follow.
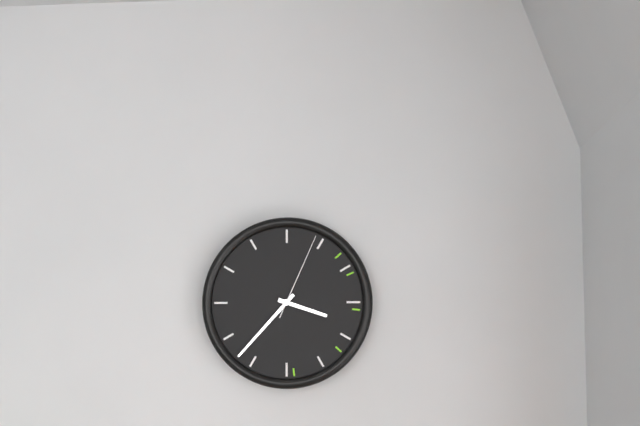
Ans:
3h37m04s
